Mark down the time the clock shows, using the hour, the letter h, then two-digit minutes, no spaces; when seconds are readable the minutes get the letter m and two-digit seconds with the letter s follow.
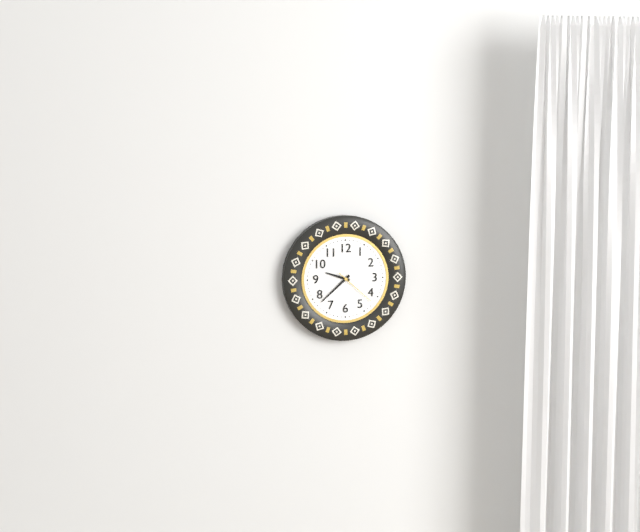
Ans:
9h38
